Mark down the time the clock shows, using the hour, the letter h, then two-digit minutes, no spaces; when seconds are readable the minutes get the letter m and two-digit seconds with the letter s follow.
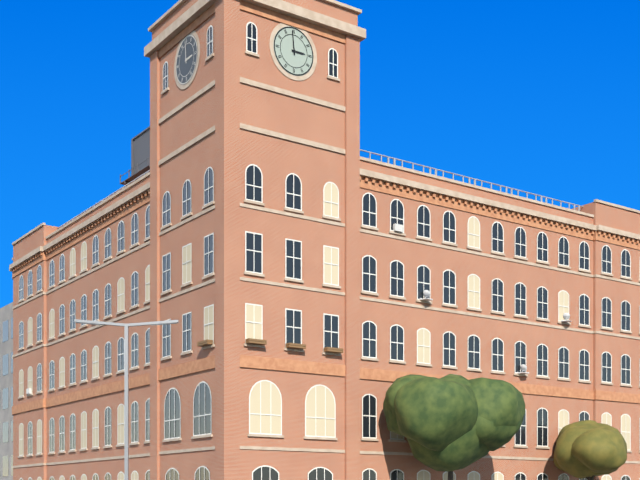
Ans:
2h59
